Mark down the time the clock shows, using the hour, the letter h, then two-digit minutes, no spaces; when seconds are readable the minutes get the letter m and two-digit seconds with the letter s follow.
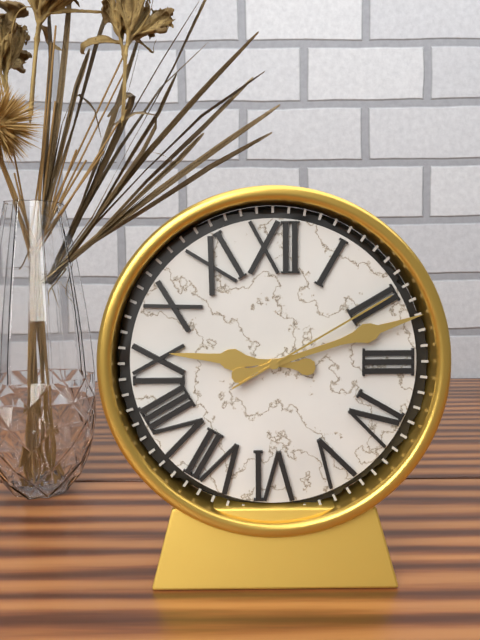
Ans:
9h12m10s
